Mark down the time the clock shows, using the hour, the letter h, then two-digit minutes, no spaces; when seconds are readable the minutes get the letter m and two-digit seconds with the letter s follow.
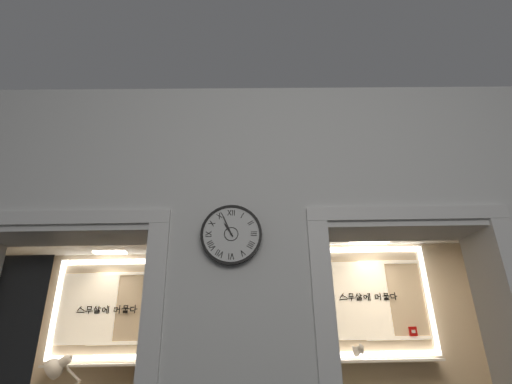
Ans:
10h56
